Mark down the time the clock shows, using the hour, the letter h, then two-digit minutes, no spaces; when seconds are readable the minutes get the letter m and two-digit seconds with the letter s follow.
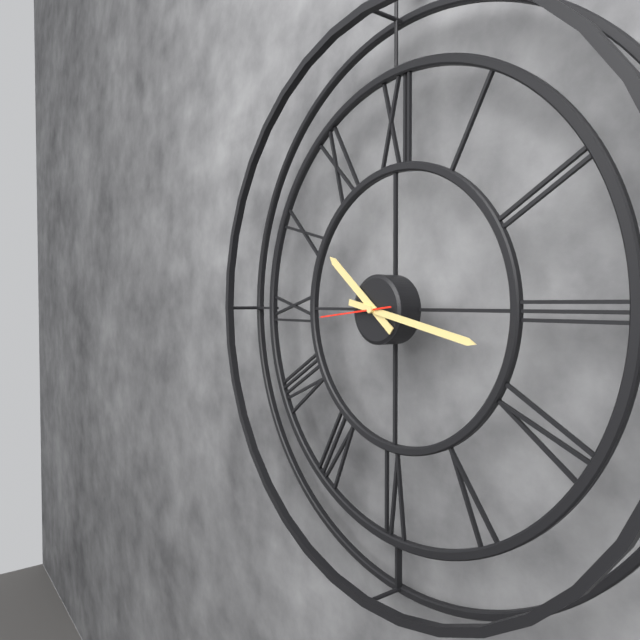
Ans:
10h17m44s
